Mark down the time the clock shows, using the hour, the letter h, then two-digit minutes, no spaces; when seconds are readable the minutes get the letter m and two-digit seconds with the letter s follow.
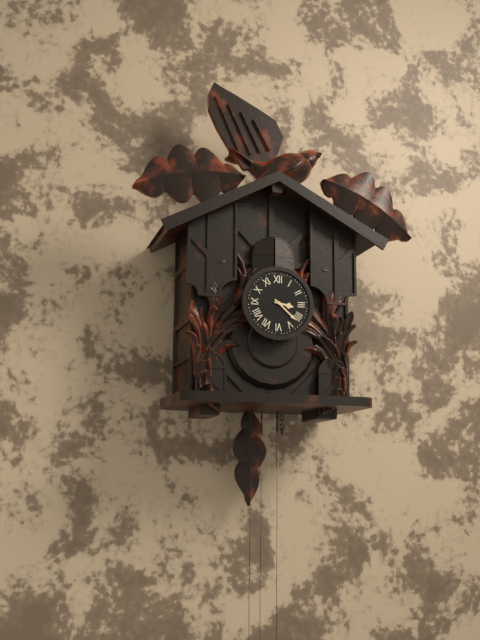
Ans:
3h22
